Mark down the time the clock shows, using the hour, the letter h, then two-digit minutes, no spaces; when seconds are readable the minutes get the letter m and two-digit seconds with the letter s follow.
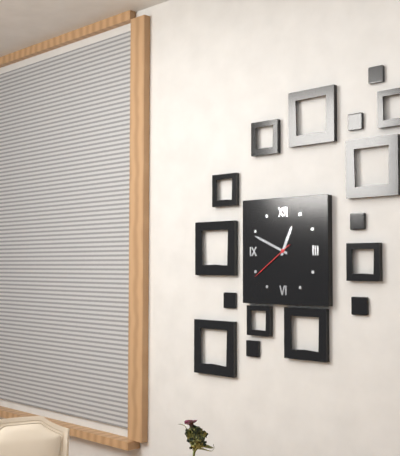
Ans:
12h49
